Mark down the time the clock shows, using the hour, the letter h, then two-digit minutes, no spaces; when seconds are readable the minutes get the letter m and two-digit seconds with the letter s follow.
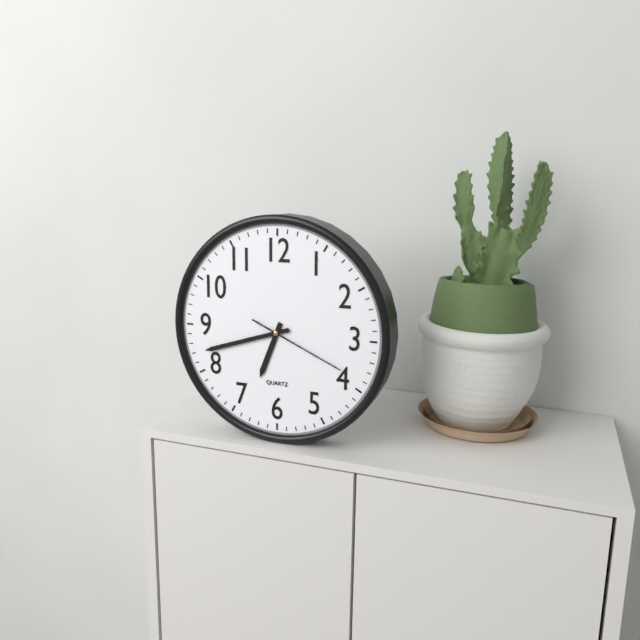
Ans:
6h42m19s
